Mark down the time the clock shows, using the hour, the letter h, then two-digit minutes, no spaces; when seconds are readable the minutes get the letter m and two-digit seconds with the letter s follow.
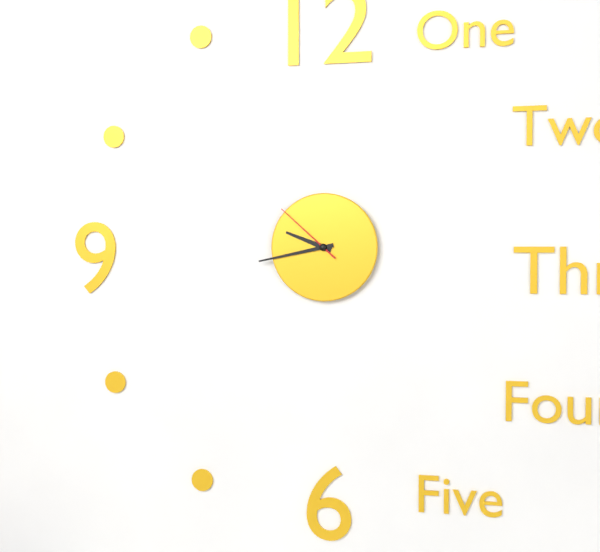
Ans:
9h43m52s
